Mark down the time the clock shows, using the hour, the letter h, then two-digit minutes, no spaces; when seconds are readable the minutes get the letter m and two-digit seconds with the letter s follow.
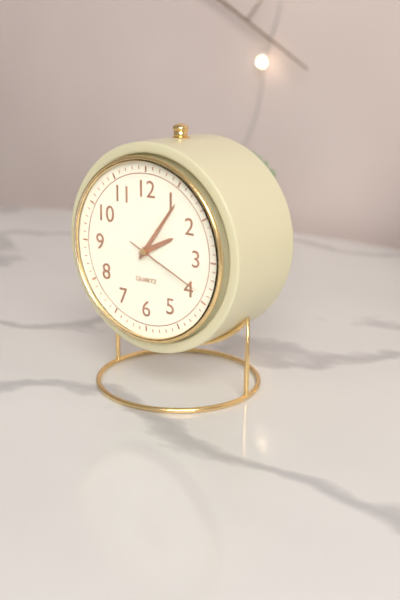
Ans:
2h06m19s
